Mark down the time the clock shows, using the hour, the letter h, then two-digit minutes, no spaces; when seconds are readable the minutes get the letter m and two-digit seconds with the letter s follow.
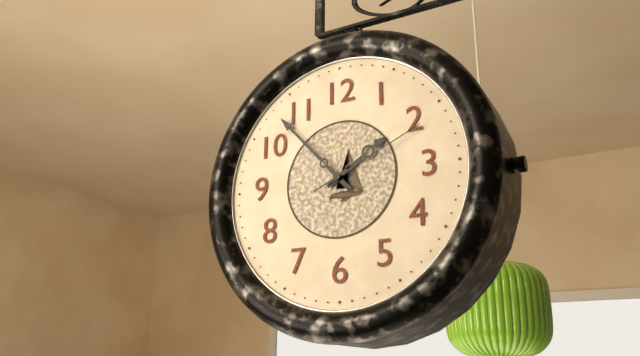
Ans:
1h53m11s
